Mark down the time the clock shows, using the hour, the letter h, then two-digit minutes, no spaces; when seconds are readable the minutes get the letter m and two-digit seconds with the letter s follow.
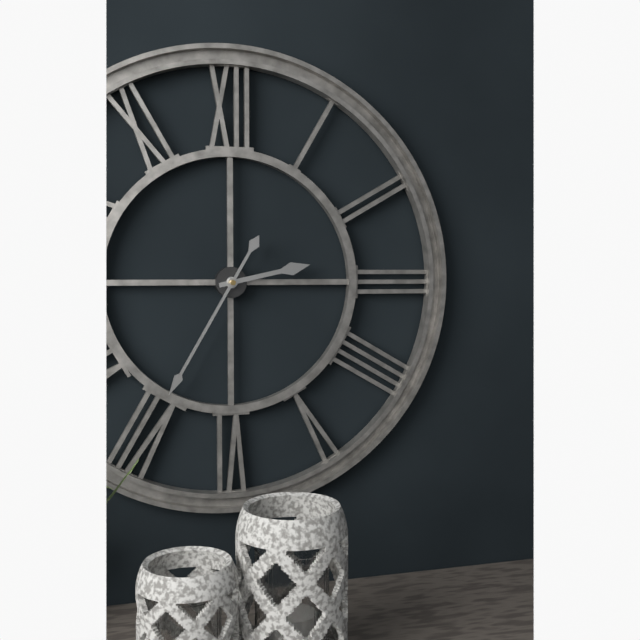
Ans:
2h35
